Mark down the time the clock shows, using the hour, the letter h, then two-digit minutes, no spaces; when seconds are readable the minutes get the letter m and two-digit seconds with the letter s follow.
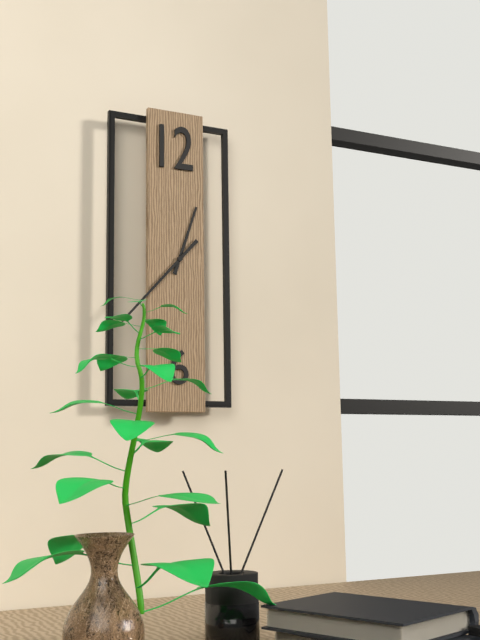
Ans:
12h37
